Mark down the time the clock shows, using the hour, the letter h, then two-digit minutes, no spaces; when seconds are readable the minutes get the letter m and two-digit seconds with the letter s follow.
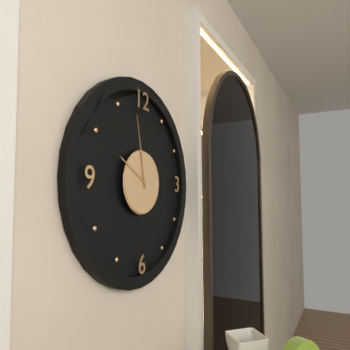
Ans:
9h58
